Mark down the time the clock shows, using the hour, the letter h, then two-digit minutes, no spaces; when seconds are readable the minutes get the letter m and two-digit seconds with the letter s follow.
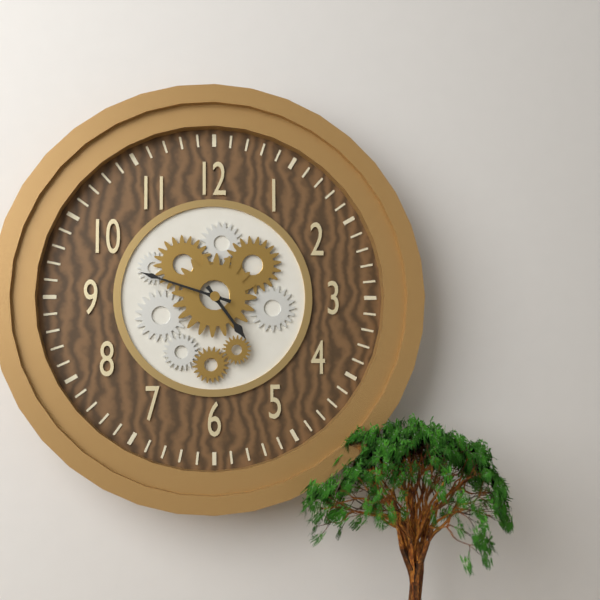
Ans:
4h48
